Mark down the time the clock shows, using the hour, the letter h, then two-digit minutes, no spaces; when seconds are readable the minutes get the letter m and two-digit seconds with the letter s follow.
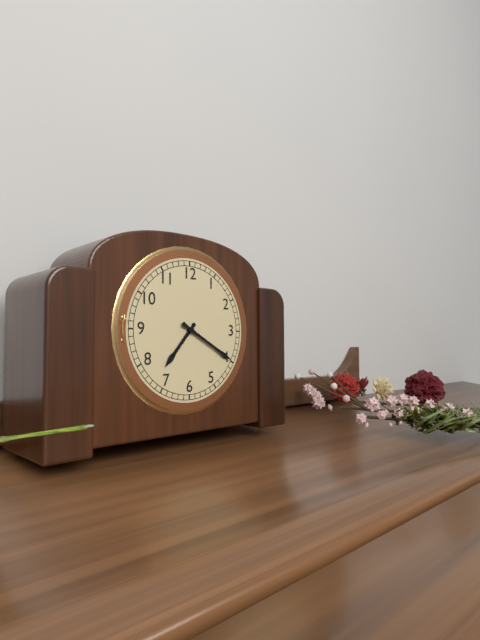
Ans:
7h20
